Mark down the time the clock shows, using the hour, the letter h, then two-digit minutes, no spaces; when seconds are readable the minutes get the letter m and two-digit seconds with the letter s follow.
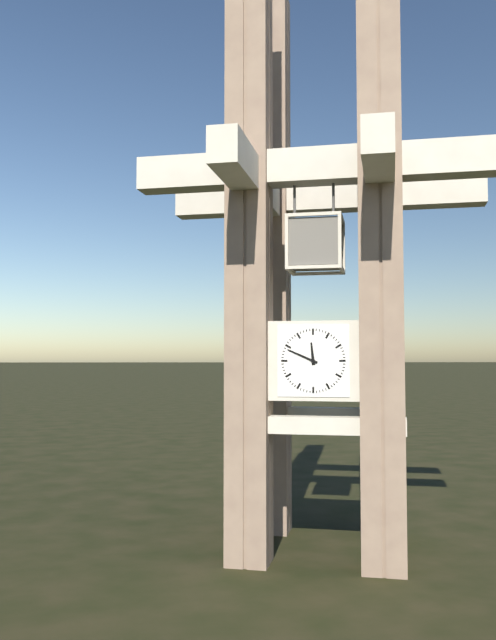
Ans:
11h49
